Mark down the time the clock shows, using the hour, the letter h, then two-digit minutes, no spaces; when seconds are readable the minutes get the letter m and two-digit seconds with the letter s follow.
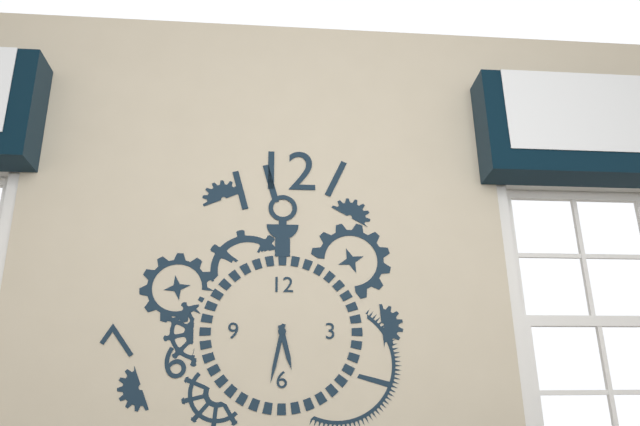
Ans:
5h32
